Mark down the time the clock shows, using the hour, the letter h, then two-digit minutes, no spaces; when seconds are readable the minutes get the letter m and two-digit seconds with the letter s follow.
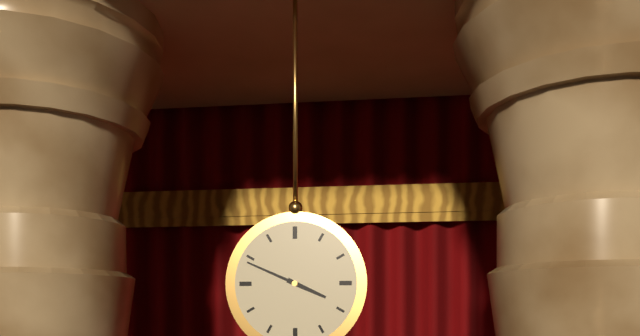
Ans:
3h49
